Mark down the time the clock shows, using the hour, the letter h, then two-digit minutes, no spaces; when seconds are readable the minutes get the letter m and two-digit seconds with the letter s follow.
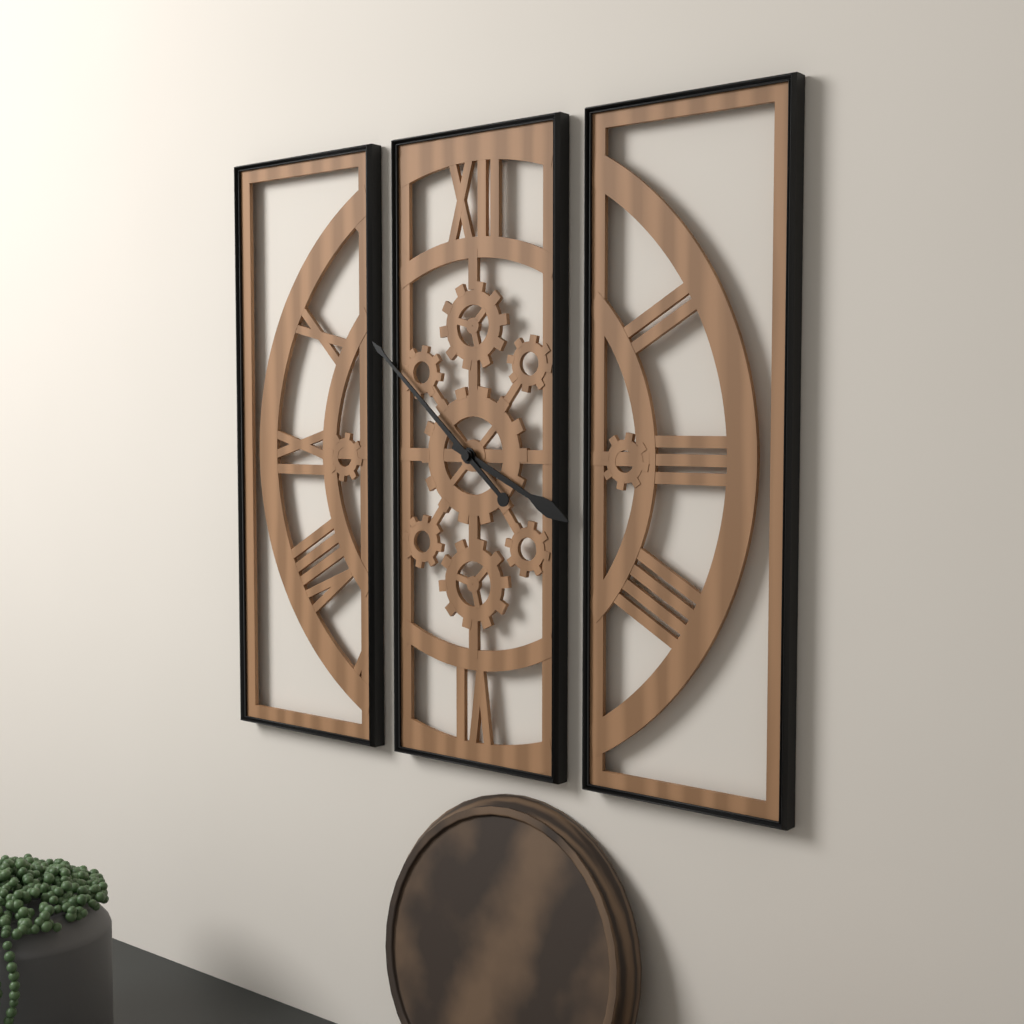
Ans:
3h52
